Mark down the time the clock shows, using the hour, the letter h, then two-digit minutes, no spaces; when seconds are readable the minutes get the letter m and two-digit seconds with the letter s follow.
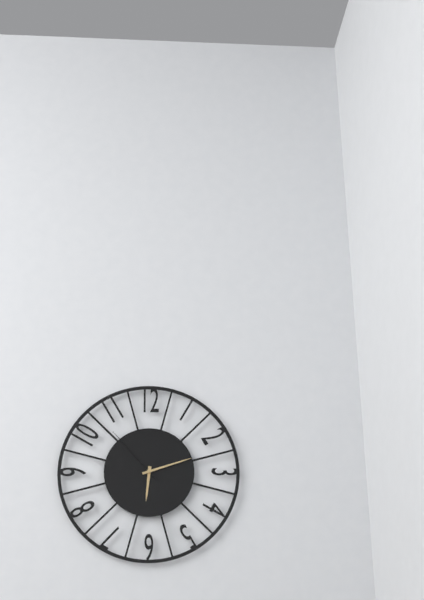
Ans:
6h12m53s
